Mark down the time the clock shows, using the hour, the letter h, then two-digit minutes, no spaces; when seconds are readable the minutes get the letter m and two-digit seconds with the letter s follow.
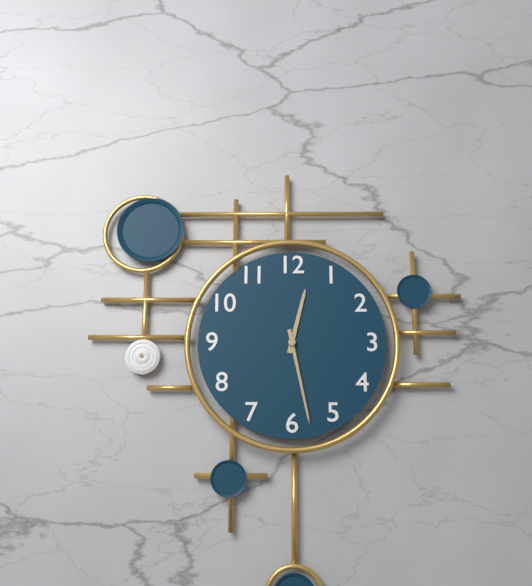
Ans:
12h28
